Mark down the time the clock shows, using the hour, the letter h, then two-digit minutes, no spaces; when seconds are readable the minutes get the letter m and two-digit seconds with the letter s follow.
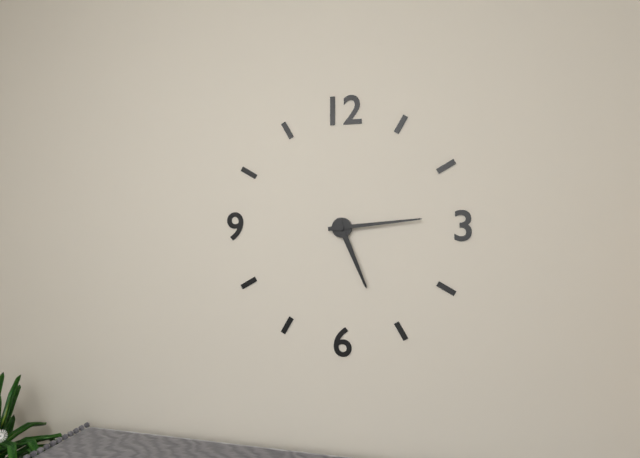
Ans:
5h14
